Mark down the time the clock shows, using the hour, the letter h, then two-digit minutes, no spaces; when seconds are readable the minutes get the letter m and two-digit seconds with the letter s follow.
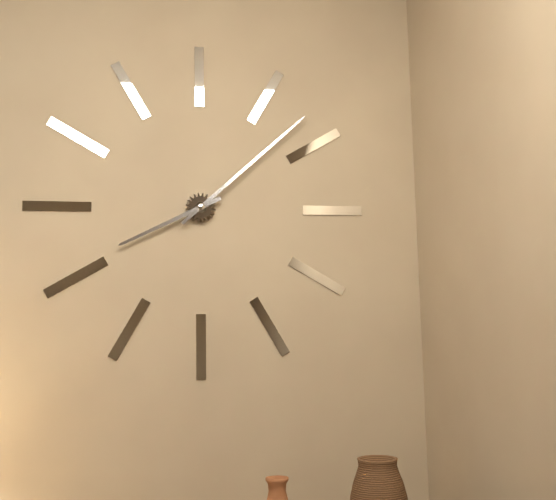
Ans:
8h08
